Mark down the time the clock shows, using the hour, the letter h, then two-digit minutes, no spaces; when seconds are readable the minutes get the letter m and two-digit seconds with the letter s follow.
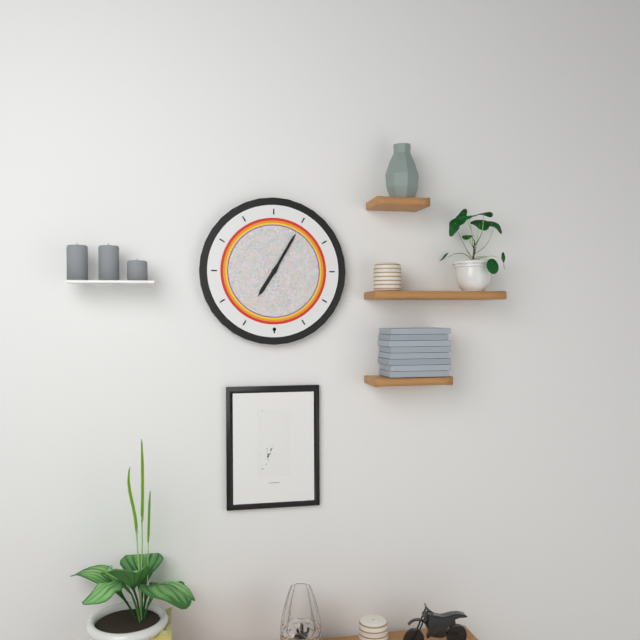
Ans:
7h05
